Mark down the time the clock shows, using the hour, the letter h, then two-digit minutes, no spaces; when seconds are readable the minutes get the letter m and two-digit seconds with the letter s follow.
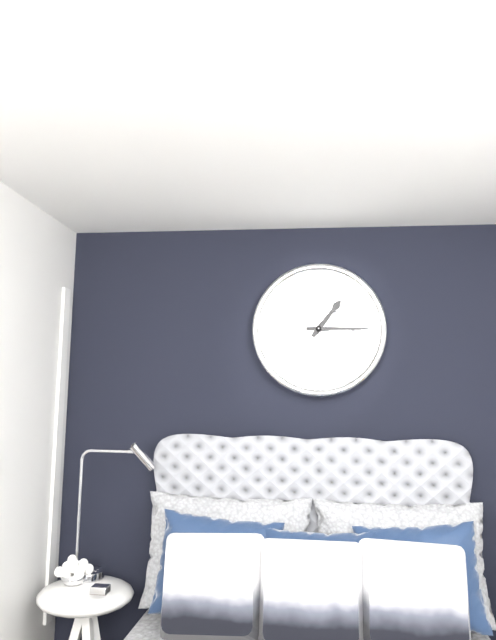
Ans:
1h15
